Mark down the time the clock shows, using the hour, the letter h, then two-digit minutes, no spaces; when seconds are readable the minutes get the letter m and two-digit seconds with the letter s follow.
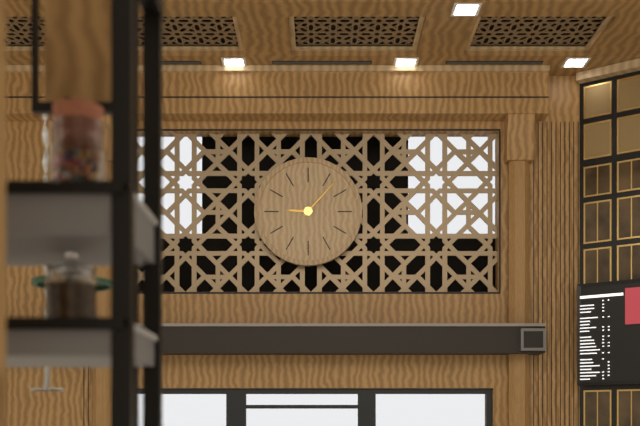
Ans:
9h07
